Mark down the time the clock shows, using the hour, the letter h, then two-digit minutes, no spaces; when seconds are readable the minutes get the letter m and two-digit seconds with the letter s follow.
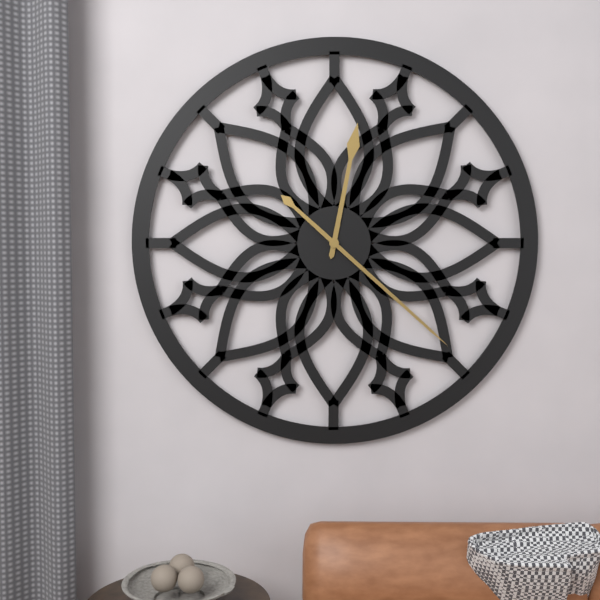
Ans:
12h22
